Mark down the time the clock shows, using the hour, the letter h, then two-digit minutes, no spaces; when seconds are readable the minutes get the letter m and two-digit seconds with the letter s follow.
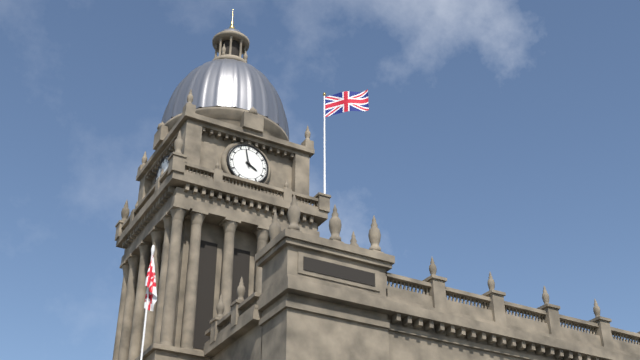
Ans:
3h58
